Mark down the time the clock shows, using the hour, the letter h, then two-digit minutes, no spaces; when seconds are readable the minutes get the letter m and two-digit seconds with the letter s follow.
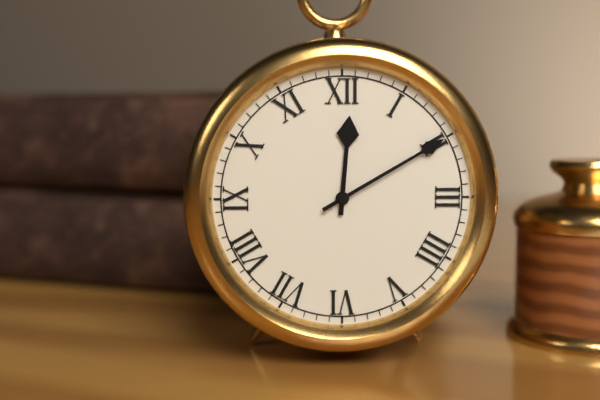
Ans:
12h10
